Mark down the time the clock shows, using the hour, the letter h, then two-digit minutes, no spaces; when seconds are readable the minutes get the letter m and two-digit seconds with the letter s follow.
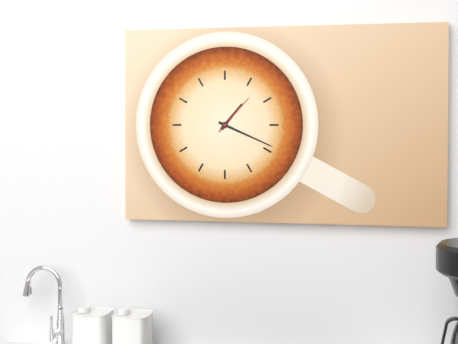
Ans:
1h19
